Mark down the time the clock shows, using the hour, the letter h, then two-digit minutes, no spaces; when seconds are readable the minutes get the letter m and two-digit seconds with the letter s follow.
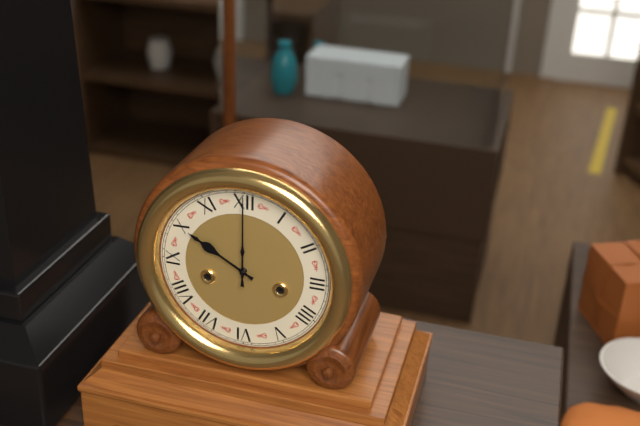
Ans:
10h00
